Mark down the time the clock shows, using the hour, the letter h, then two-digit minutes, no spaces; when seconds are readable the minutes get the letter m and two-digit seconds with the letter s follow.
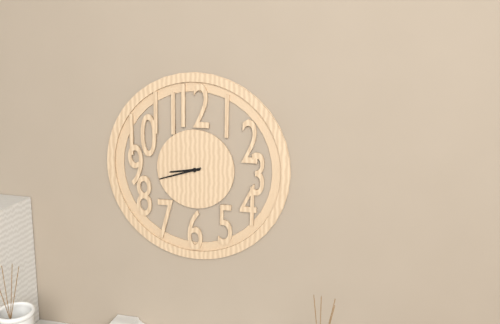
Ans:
8h42
